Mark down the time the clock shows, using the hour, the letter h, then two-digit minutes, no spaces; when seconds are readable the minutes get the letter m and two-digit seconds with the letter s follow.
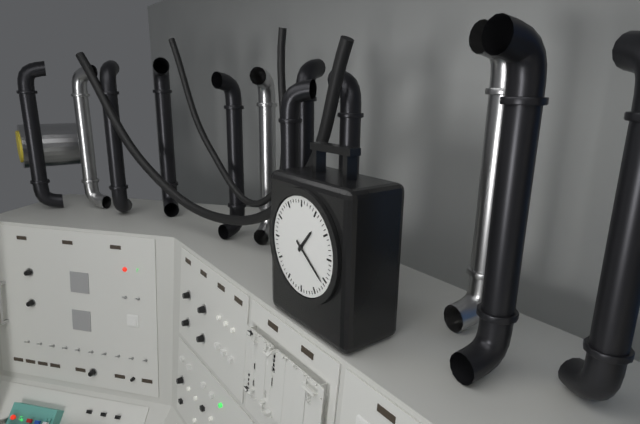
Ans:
1h21
